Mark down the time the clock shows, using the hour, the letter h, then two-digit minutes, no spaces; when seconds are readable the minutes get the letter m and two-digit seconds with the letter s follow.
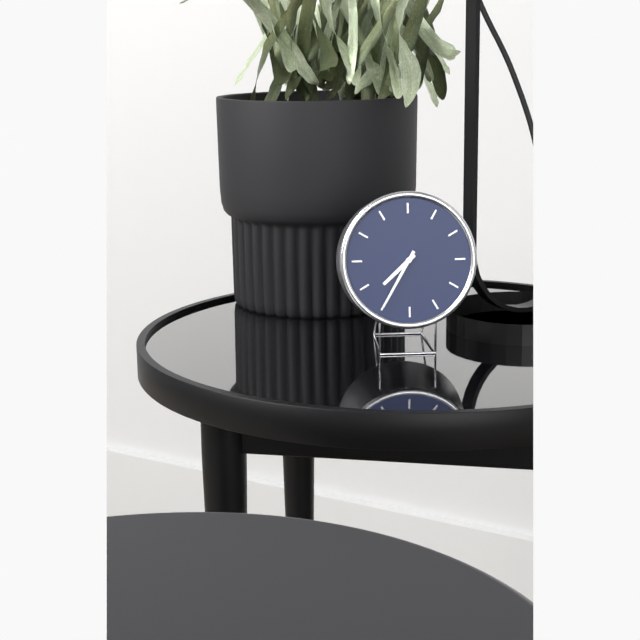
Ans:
7h35
